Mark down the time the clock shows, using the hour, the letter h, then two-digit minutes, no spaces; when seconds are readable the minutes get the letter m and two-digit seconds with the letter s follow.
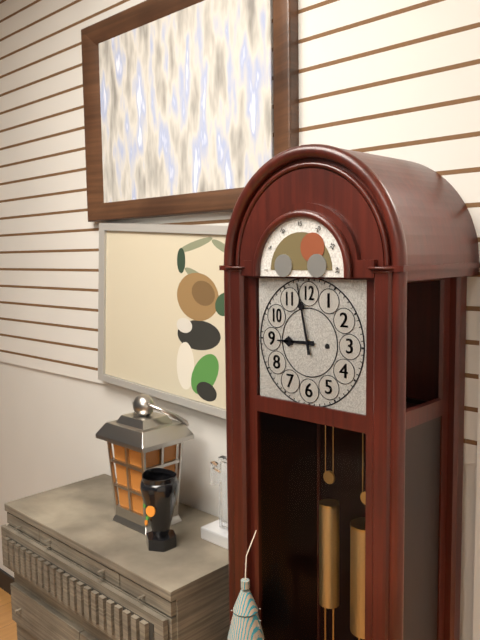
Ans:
8h58
